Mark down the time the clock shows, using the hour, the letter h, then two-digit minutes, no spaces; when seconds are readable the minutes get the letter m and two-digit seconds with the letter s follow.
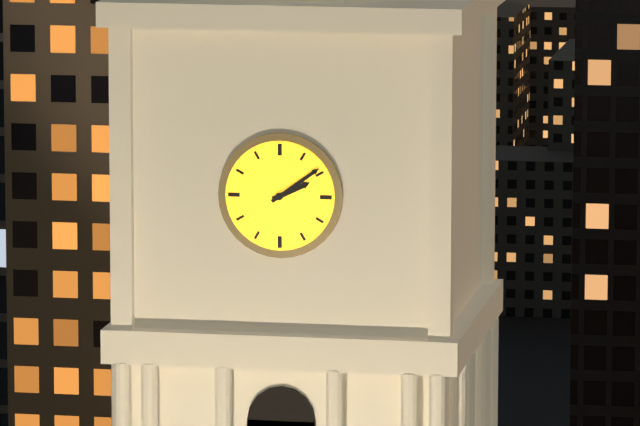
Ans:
2h09
